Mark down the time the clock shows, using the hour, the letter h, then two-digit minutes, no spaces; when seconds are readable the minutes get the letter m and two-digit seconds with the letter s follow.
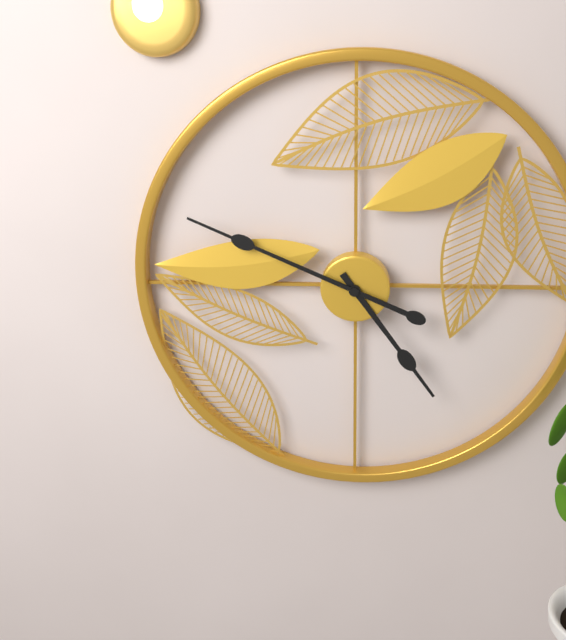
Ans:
4h49
